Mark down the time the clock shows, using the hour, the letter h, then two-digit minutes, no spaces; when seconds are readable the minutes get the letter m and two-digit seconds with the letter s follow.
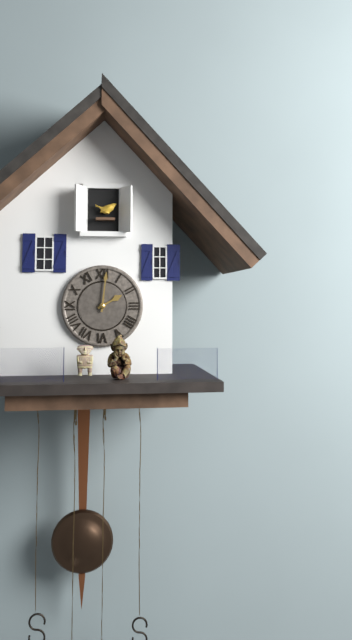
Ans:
2h01
